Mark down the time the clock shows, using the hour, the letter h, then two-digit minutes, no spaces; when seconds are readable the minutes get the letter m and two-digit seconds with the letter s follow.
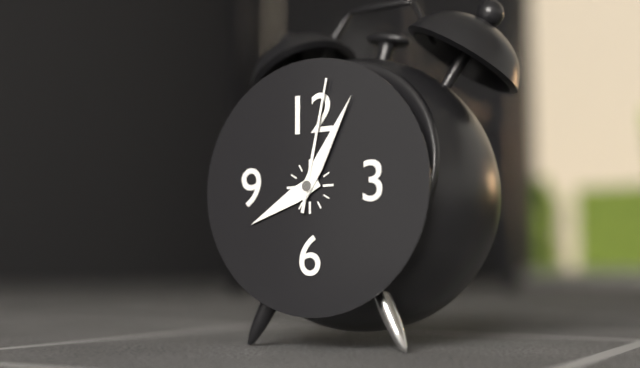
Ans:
8h05m02s
